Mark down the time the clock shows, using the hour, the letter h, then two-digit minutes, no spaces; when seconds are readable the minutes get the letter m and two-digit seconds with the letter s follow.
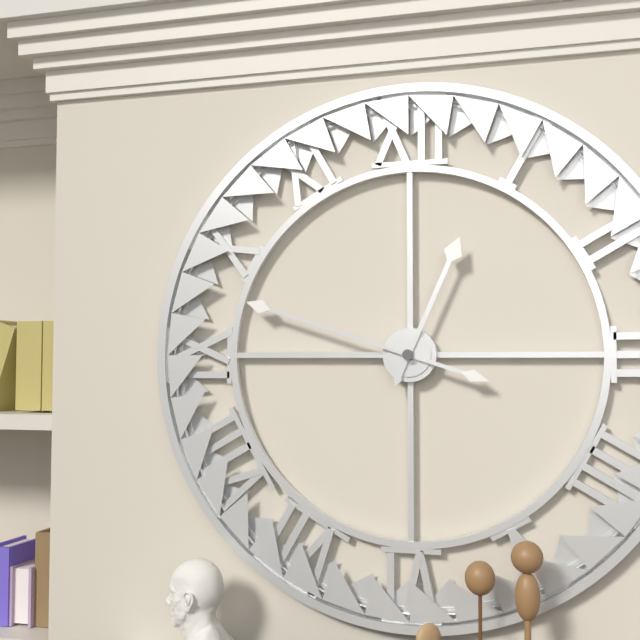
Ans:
12h48
